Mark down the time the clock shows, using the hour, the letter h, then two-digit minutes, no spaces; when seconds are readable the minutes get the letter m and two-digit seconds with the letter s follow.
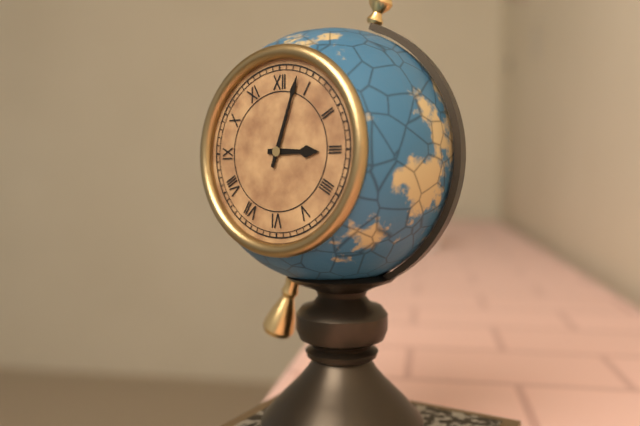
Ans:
3h03
